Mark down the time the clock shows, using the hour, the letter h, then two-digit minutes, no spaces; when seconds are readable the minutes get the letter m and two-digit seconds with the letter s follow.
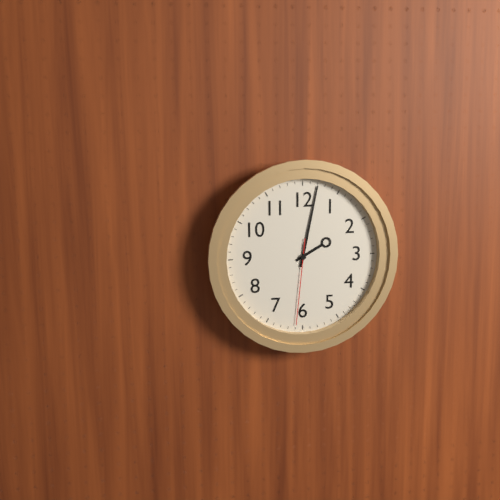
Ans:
2h02m31s
